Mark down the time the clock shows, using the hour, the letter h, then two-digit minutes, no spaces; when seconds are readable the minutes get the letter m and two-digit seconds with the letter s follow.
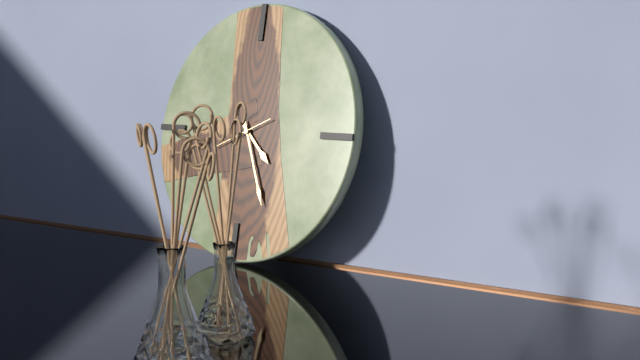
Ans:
4h26m41s
